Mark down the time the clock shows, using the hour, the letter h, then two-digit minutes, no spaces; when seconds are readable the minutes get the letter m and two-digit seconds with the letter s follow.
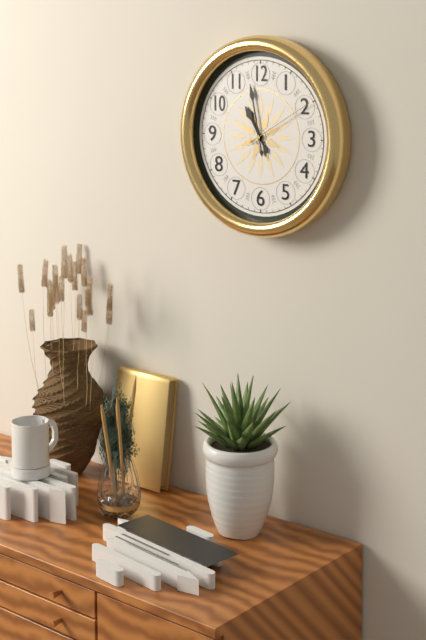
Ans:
10h58m10s
